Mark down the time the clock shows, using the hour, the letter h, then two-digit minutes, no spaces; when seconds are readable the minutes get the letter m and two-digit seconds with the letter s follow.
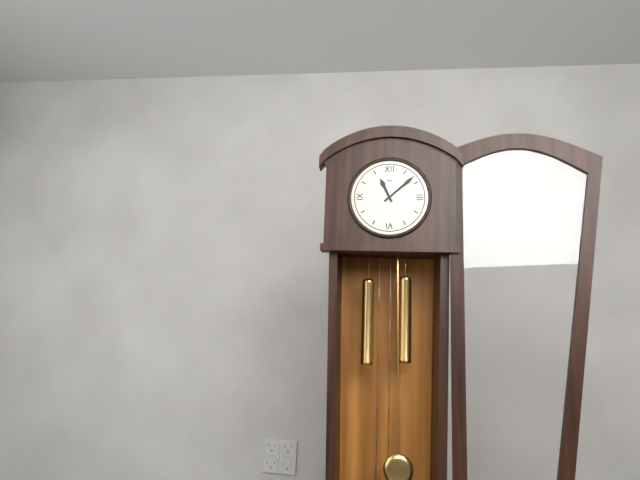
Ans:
11h08
